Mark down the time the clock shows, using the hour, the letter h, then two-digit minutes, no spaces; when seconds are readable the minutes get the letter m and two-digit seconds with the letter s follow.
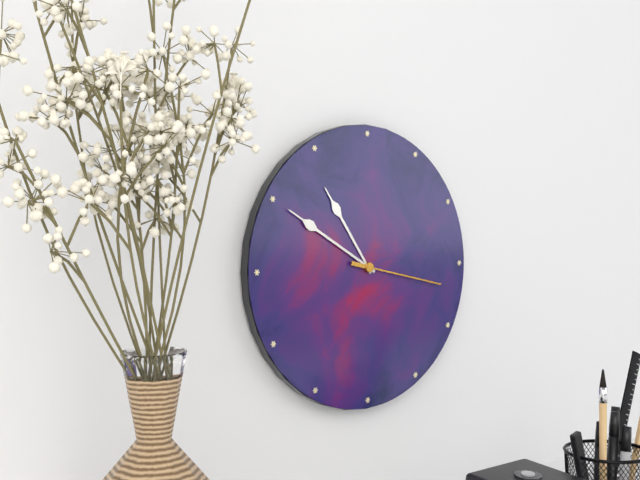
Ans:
10h50m17s
